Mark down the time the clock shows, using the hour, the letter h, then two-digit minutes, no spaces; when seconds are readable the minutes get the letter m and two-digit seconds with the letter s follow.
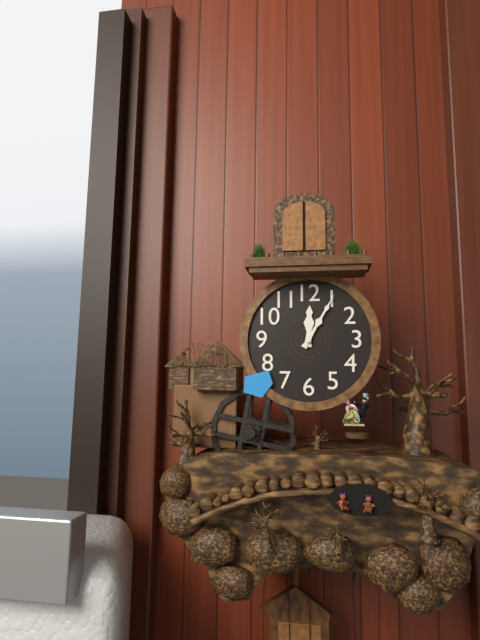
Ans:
12h05
